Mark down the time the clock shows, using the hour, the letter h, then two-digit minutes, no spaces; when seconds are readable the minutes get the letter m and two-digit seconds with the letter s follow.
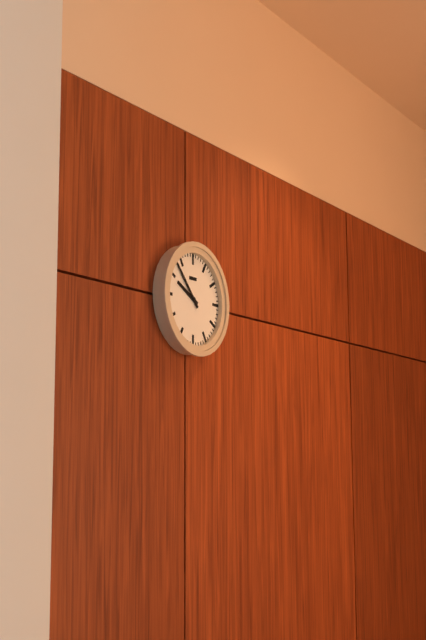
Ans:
9h53
